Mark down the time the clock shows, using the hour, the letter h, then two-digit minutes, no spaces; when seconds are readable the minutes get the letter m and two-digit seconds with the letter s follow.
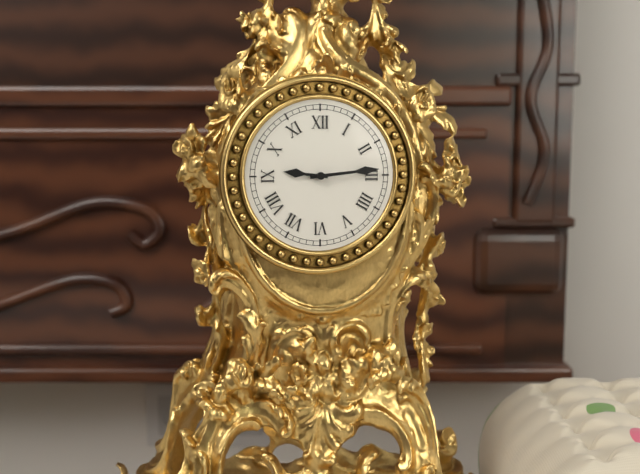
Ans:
9h14
